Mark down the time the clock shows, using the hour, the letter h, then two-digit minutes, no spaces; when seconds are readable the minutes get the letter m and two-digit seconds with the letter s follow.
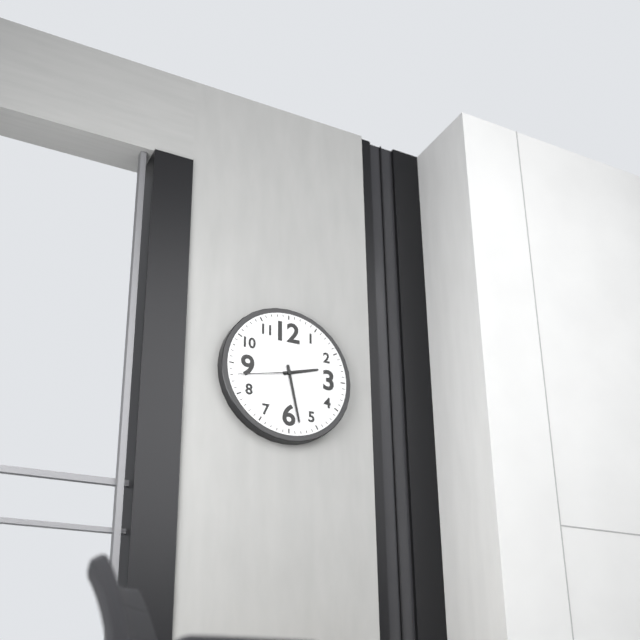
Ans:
2h28m43s
